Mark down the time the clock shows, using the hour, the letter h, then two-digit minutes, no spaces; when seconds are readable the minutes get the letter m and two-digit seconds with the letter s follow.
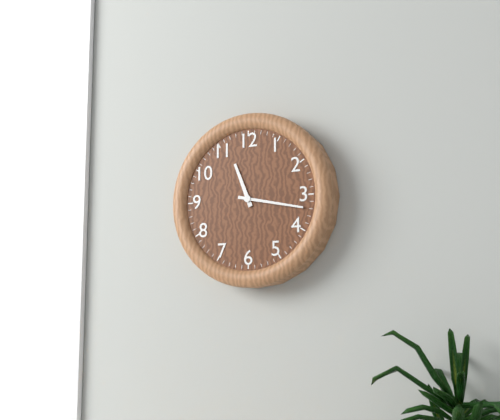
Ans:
11h17
